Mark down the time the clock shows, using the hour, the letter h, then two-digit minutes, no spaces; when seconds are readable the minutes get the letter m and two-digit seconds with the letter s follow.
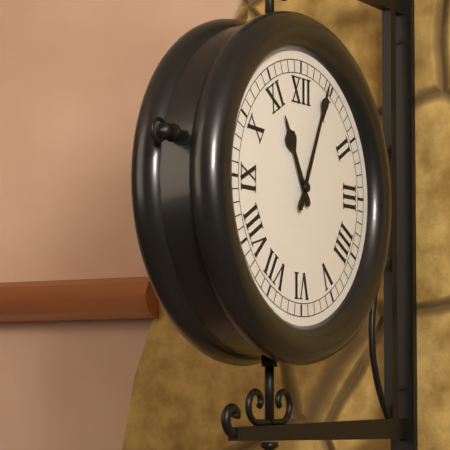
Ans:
11h04
